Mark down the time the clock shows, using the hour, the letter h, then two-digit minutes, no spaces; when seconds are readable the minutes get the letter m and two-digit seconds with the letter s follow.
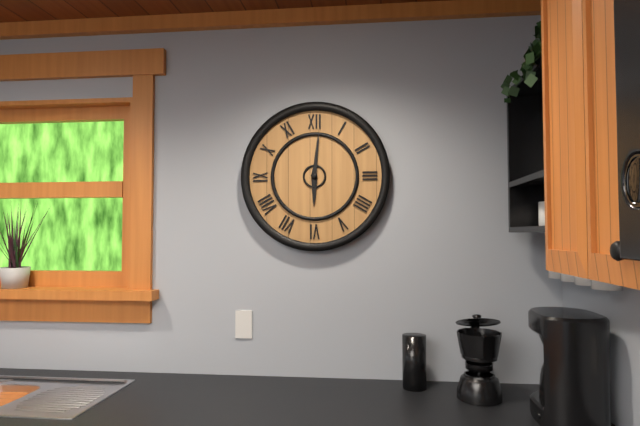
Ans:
6h01
